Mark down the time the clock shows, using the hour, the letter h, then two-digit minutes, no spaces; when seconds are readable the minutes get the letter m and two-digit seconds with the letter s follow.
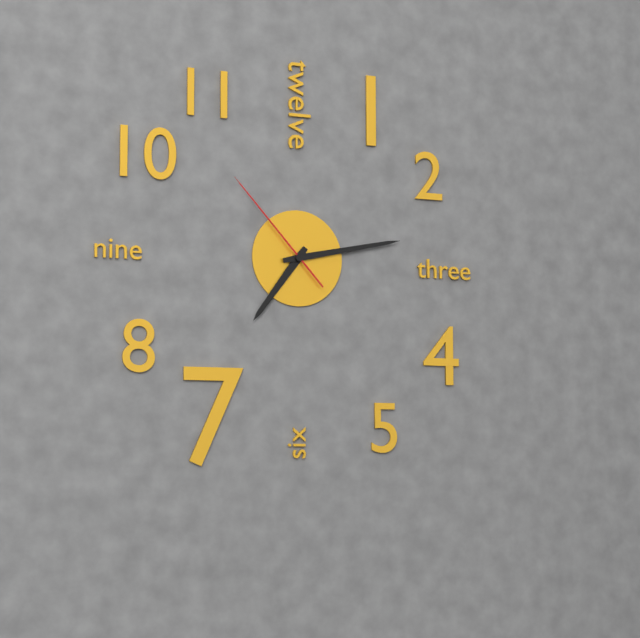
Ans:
7h13m53s
